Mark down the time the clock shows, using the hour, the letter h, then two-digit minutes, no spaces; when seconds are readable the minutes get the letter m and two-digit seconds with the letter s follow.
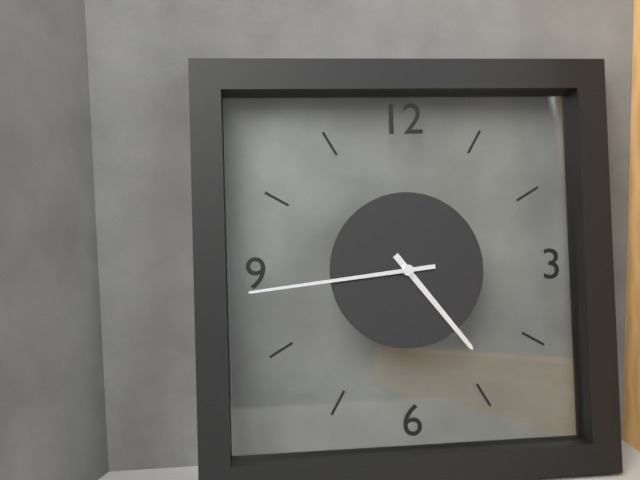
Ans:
4h44
